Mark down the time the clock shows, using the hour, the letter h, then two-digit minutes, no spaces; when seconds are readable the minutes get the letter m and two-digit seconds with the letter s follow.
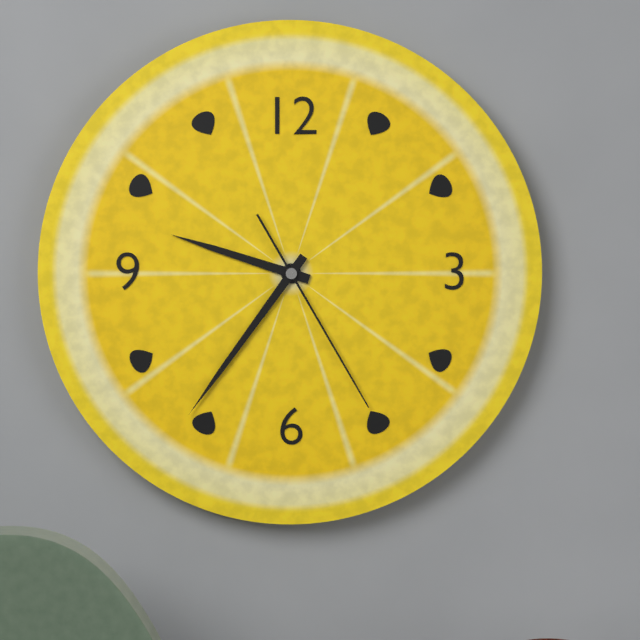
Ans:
9h36m25s
